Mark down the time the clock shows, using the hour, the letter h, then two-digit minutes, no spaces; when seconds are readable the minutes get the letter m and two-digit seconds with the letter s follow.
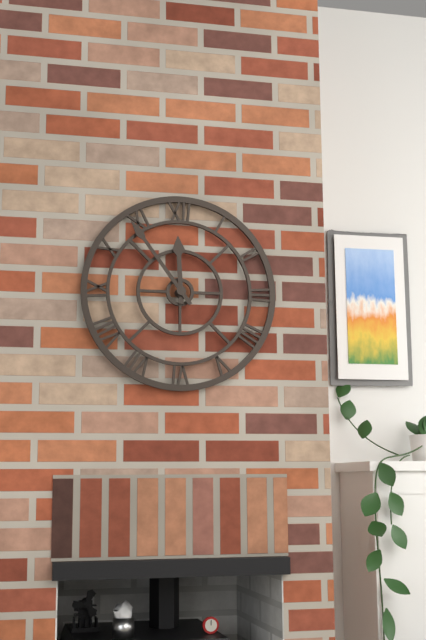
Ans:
11h54
